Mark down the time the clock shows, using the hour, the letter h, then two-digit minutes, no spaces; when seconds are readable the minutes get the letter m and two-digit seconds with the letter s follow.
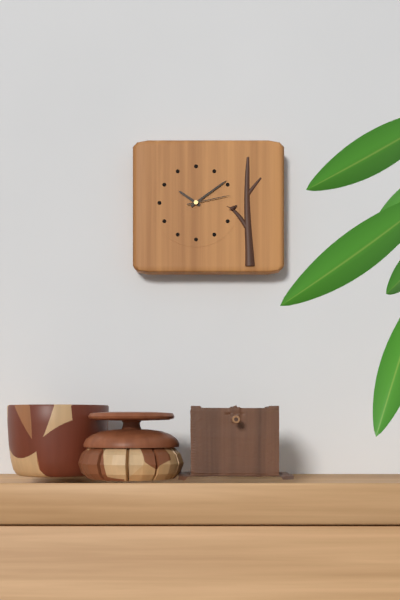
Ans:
10h09
